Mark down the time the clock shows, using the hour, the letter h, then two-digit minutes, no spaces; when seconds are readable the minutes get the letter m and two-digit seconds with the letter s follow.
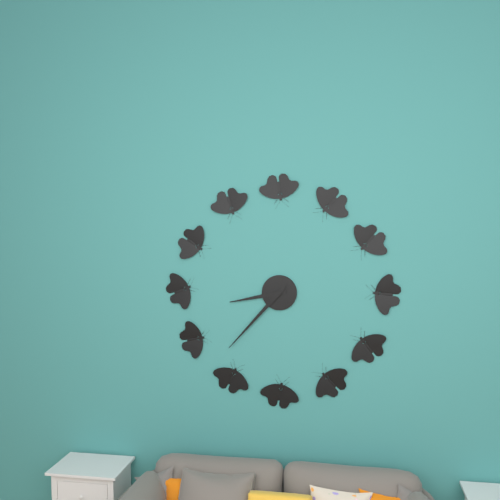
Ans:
8h37
